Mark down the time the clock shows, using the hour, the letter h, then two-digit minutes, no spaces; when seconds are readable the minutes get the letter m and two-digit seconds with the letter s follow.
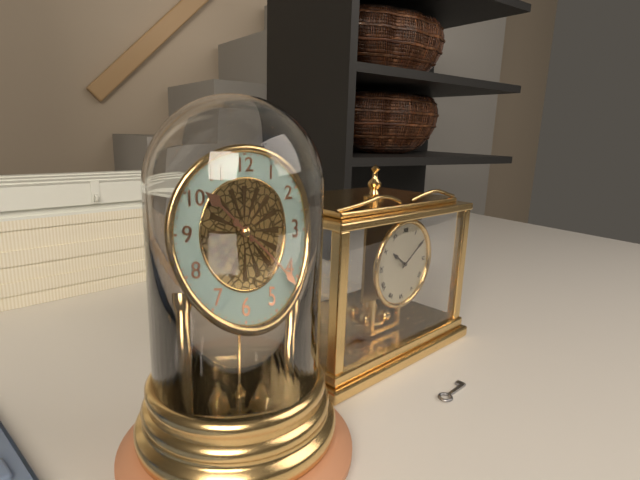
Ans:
10h21
